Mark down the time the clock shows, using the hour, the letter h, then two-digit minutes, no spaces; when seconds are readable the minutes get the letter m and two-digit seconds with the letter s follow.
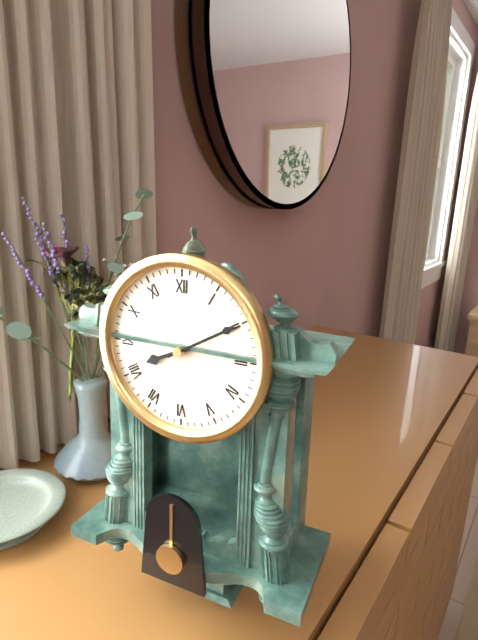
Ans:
8h10
